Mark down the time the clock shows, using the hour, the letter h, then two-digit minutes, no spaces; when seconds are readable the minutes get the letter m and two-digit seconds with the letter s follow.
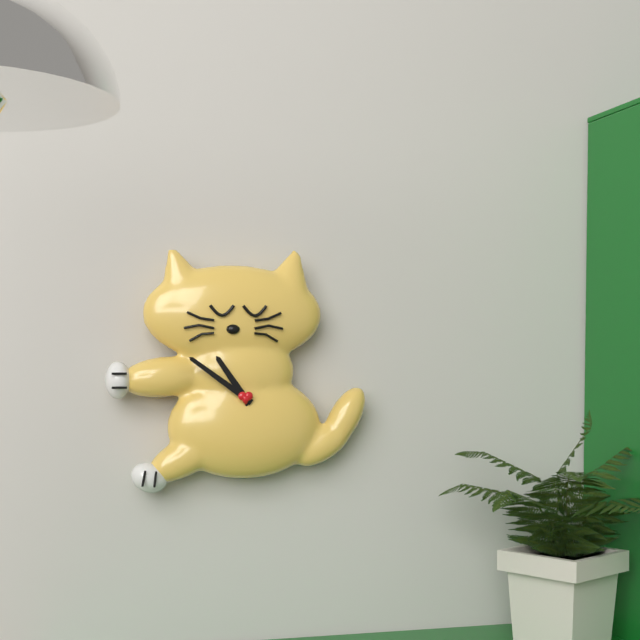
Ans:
10h51
